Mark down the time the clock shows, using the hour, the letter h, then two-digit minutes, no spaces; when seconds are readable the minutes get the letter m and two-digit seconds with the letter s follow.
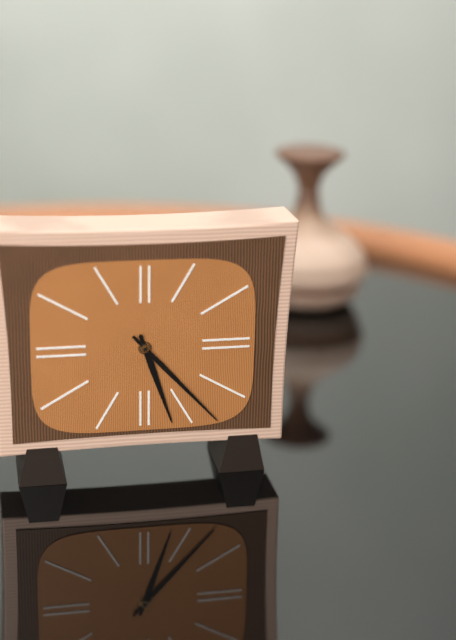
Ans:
5h23
